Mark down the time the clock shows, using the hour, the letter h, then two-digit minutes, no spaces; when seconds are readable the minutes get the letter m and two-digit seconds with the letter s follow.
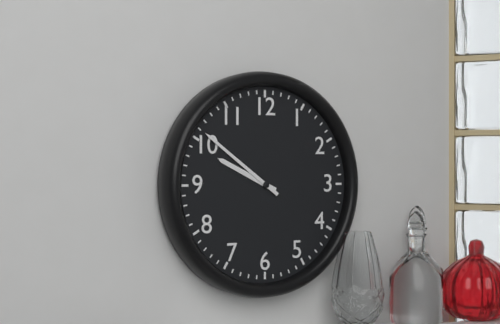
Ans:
9h51
